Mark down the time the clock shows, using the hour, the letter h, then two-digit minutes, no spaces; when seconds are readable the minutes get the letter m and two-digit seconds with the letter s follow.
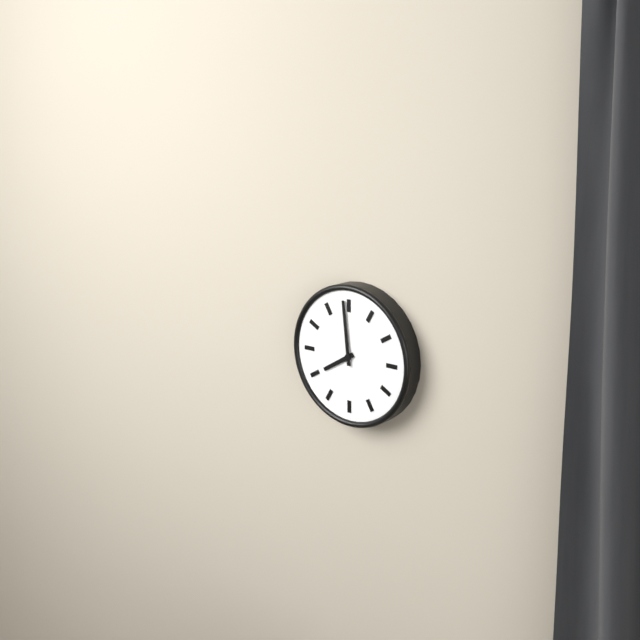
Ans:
7h59
